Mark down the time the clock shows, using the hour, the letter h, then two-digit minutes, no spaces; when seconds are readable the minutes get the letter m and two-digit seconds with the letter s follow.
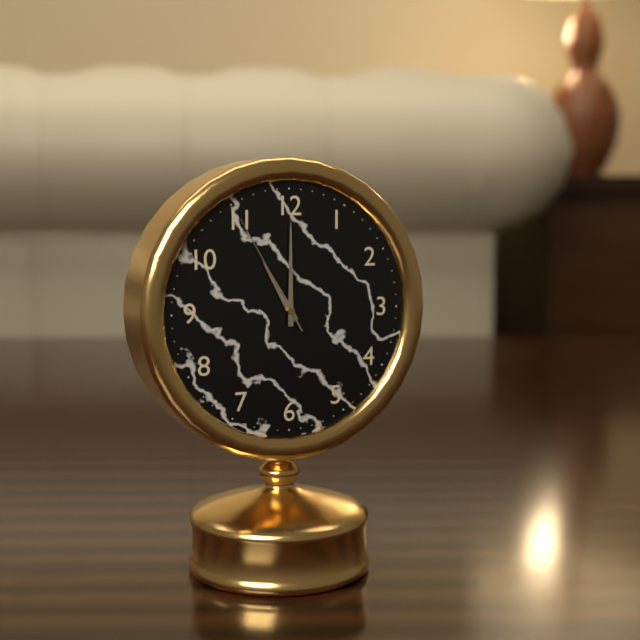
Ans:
11h00m55s
